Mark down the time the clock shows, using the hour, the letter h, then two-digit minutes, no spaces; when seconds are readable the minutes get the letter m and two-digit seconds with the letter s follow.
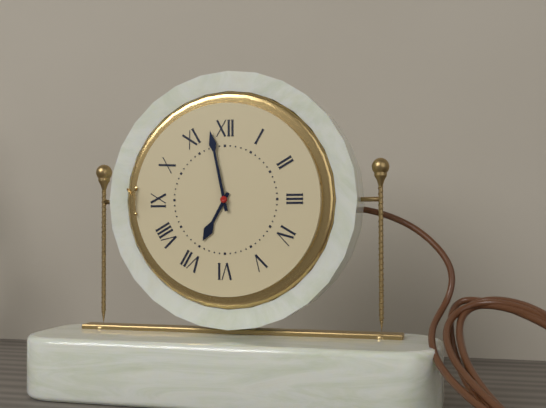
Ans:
6h58
